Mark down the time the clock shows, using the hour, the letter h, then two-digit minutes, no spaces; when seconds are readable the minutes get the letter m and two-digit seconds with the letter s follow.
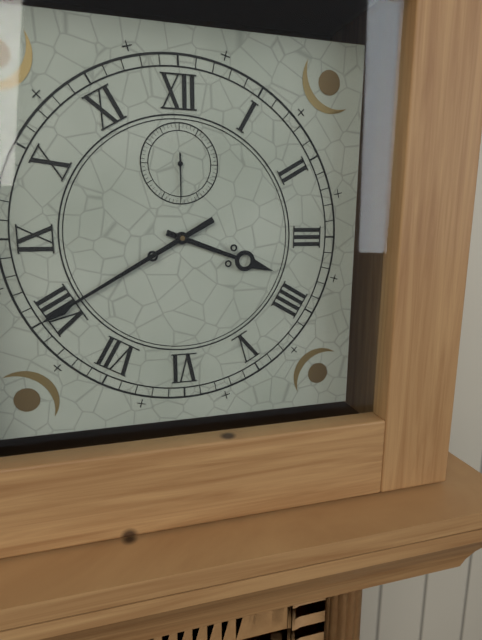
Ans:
3h40
